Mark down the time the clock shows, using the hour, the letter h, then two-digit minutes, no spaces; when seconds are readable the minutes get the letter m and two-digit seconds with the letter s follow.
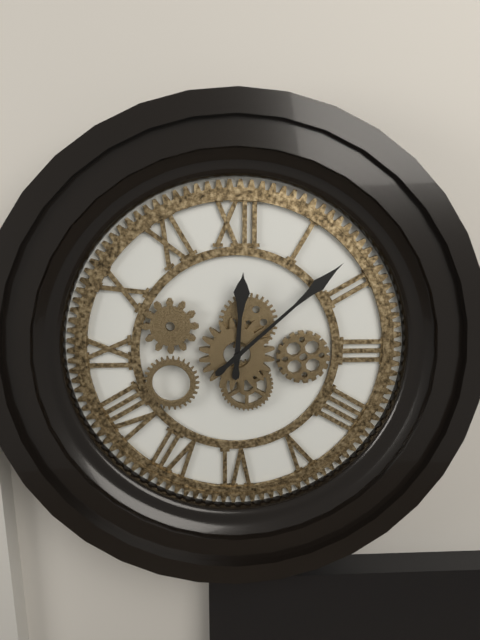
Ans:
12h08
